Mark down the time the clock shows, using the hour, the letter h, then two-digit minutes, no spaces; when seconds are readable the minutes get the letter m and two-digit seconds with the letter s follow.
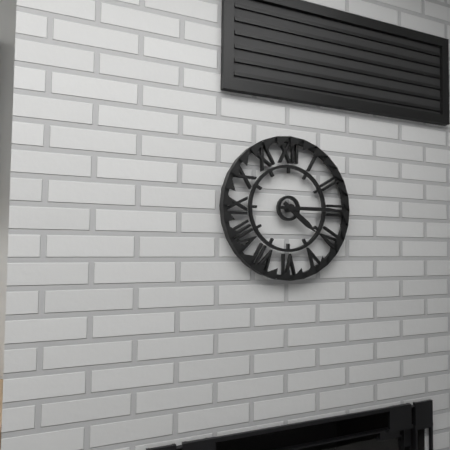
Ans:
4h15
